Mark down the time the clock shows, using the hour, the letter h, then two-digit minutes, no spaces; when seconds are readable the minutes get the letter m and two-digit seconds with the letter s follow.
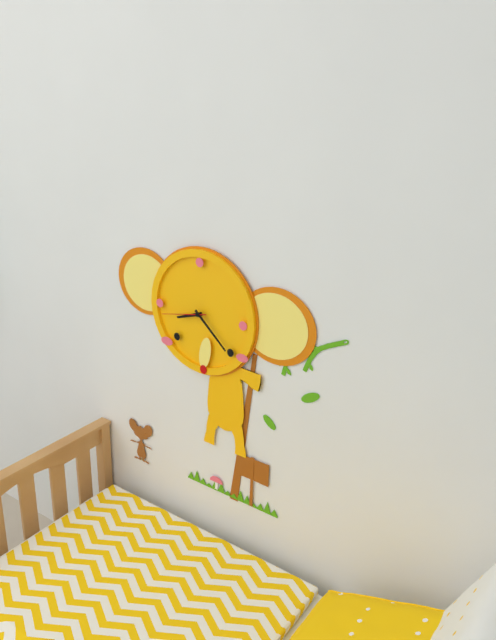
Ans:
8h22
